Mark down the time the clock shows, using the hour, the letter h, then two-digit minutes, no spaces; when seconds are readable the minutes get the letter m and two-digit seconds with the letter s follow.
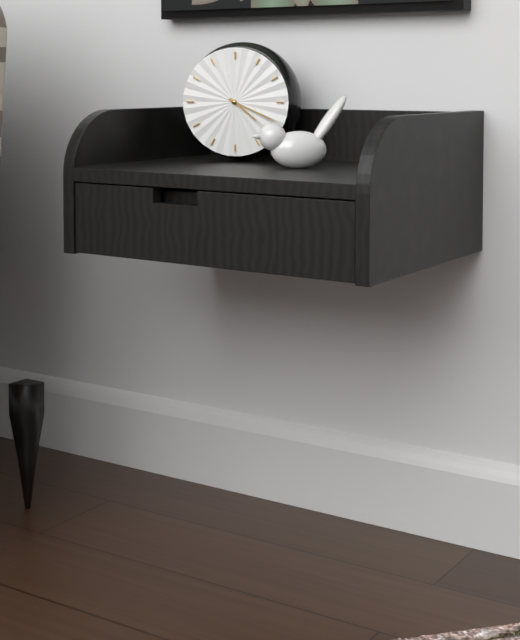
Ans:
4h19
